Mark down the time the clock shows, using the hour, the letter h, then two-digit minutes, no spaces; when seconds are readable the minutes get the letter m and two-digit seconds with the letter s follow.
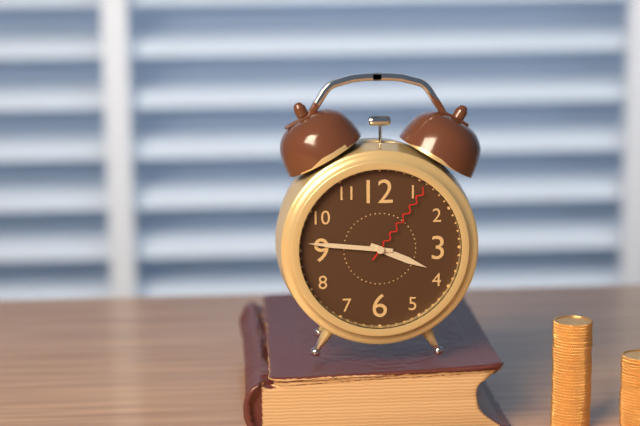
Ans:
3h46m06s
